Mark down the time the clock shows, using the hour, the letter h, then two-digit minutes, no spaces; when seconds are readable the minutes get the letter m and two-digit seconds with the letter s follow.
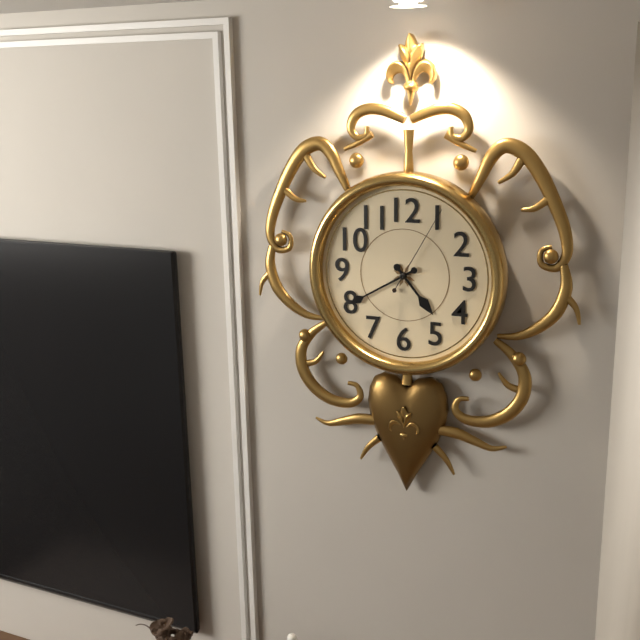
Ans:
4h40m05s
